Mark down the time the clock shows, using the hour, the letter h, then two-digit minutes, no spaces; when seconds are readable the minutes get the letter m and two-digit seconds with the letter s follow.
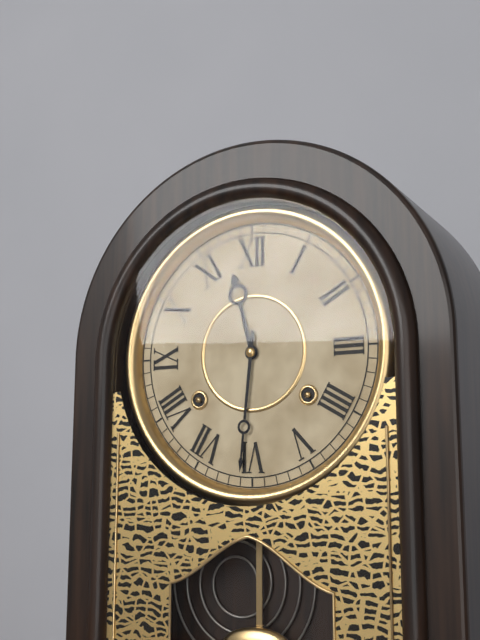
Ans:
11h31
